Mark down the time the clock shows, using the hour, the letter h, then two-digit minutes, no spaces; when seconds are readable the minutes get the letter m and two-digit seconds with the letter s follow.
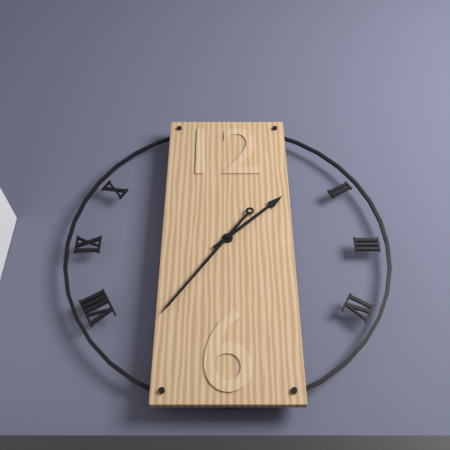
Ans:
1h36
